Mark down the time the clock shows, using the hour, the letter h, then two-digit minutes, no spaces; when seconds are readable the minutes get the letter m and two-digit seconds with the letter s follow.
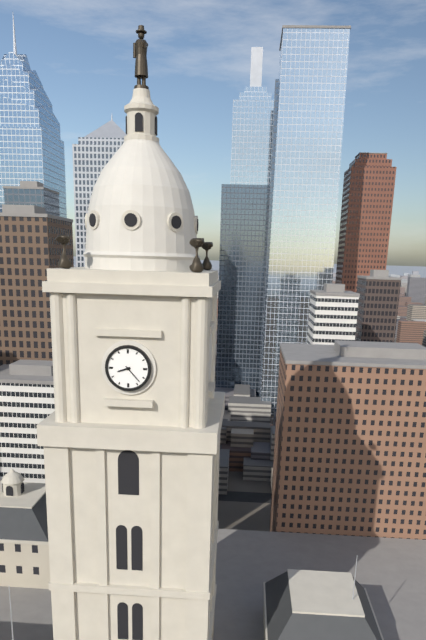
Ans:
8h23
